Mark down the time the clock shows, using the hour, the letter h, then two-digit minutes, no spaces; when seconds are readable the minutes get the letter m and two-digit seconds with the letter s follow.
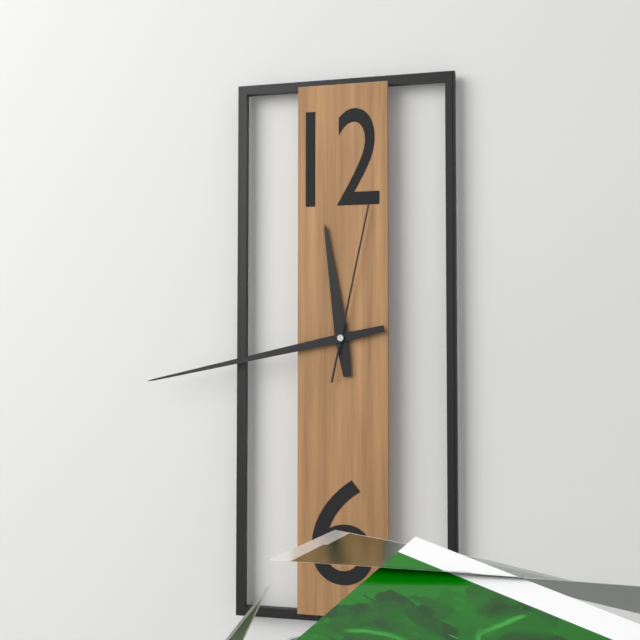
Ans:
11h43m02s
